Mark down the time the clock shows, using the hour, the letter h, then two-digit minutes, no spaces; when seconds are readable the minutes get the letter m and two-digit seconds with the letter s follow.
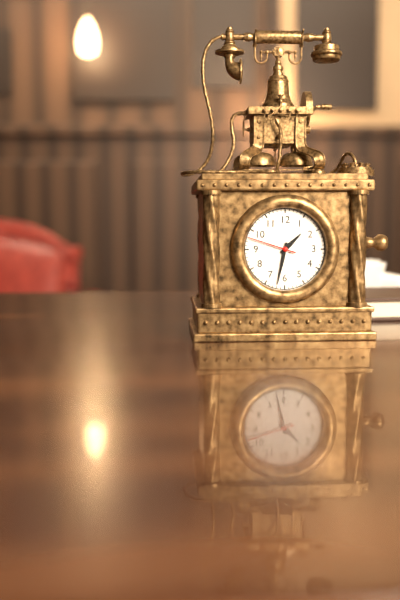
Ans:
1h32
